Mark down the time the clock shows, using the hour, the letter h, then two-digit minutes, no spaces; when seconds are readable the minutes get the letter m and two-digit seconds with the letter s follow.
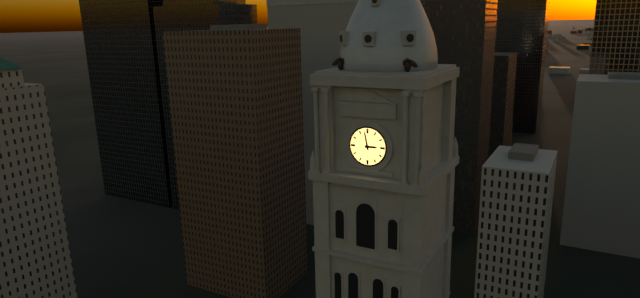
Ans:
2h58
